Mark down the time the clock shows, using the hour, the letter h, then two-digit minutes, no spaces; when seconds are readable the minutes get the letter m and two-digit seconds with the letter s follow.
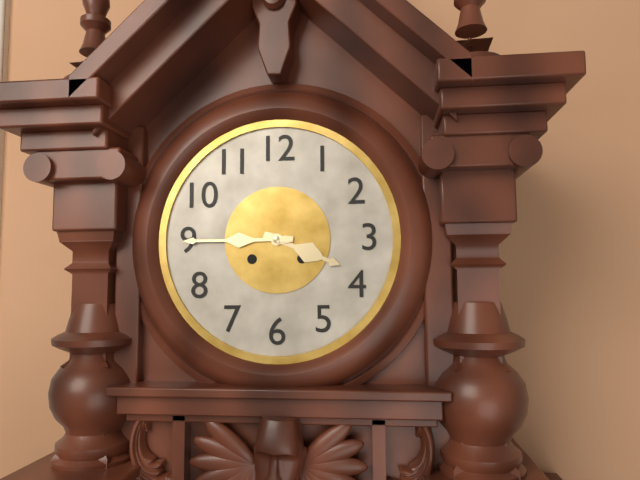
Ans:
3h45
